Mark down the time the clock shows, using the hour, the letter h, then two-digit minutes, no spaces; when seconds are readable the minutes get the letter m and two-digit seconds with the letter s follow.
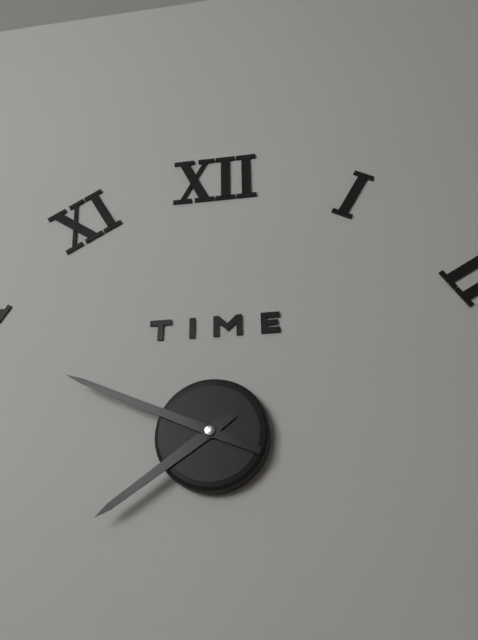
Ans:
7h49
